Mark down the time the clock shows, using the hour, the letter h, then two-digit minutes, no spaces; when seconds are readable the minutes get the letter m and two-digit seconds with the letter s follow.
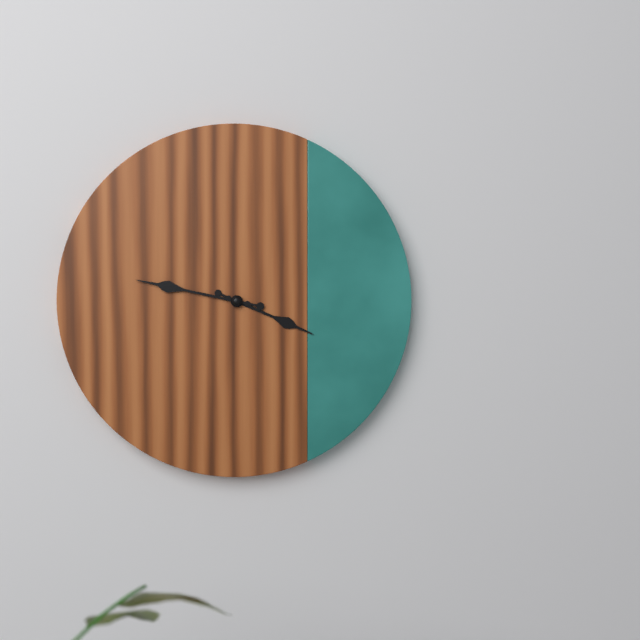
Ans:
3h47
